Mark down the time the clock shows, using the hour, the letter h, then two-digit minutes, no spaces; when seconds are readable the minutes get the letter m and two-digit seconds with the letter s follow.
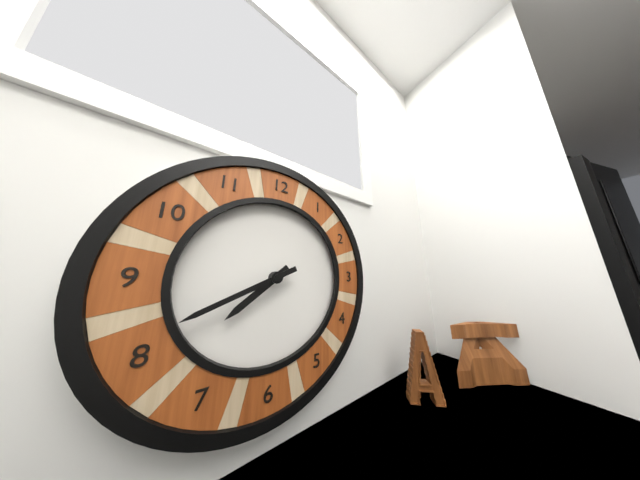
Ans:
7h41
